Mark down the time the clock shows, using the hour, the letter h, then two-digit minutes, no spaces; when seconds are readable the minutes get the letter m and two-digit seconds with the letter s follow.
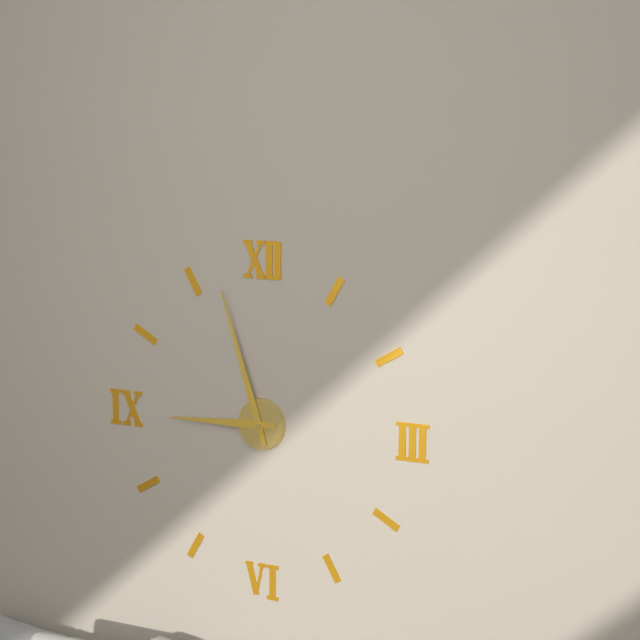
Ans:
8h57
